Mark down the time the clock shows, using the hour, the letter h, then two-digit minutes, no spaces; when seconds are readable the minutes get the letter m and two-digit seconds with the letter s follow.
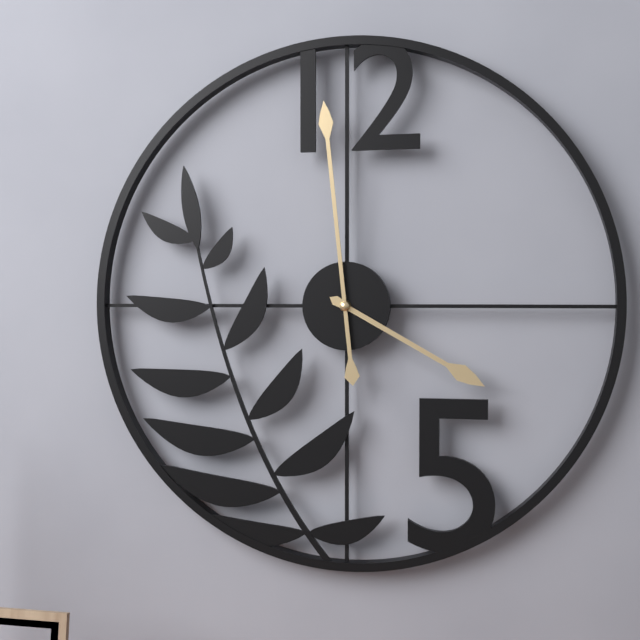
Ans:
3h59
